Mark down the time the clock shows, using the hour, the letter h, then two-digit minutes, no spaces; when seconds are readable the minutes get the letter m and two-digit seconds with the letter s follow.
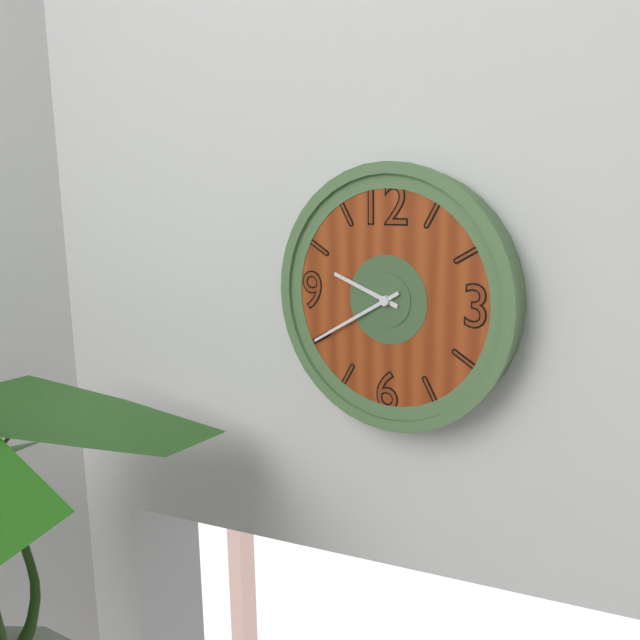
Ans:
9h40
